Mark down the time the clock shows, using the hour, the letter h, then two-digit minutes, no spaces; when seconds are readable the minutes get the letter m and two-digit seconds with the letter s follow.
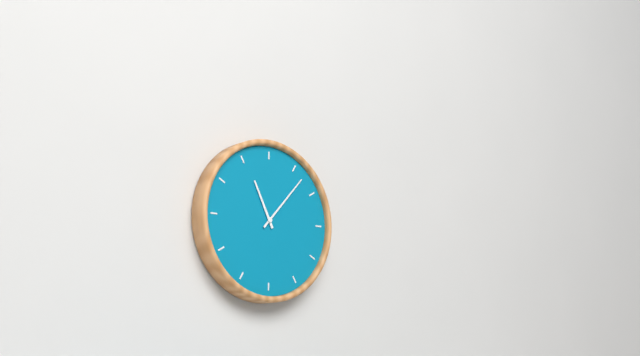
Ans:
11h07
